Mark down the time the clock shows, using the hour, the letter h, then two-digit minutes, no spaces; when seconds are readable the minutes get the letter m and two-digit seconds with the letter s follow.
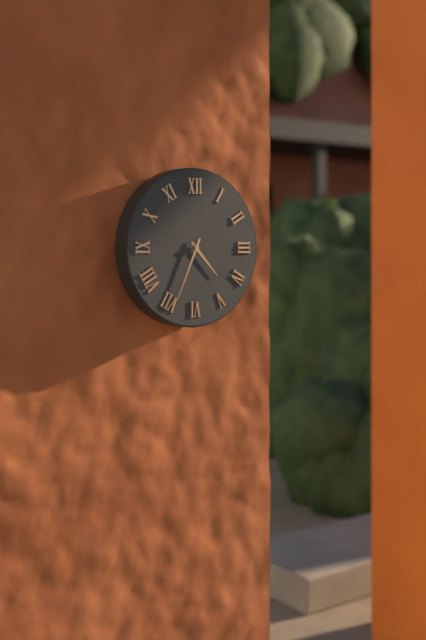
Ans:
4h34
